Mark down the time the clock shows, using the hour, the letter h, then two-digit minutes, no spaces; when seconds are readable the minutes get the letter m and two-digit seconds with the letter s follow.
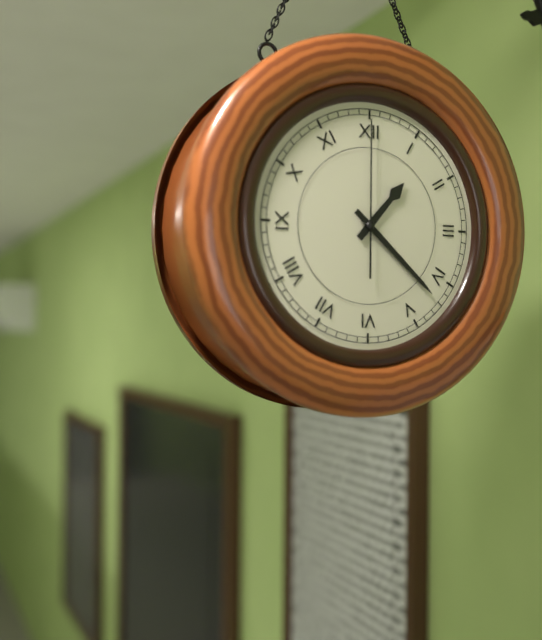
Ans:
1h22m00s
